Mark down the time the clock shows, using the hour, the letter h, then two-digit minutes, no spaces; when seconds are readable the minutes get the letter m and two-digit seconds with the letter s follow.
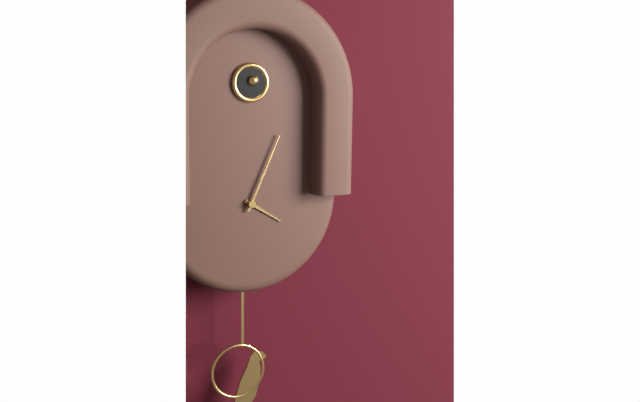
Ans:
4h04
